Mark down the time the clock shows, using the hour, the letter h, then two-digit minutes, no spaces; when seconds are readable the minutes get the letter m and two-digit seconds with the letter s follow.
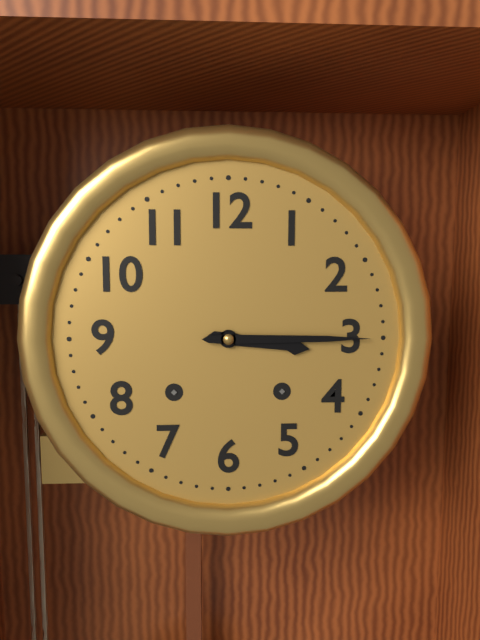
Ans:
3h15
